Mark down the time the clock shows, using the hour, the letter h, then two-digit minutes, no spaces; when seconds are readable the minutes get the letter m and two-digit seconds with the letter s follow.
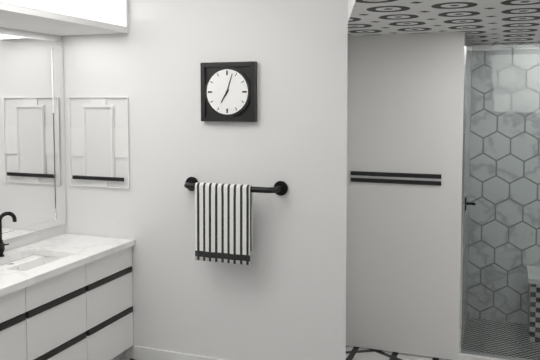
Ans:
7h03
